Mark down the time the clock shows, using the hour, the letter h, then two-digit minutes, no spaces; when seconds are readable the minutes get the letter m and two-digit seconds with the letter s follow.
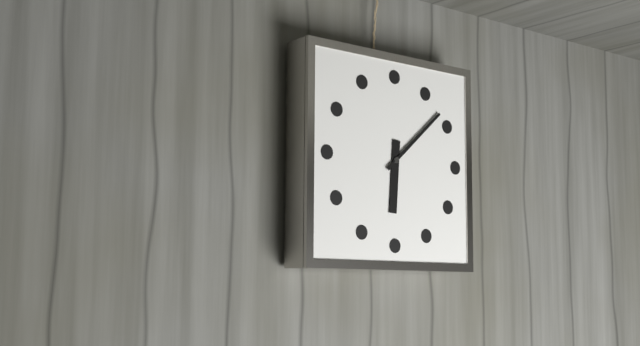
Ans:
6h08
